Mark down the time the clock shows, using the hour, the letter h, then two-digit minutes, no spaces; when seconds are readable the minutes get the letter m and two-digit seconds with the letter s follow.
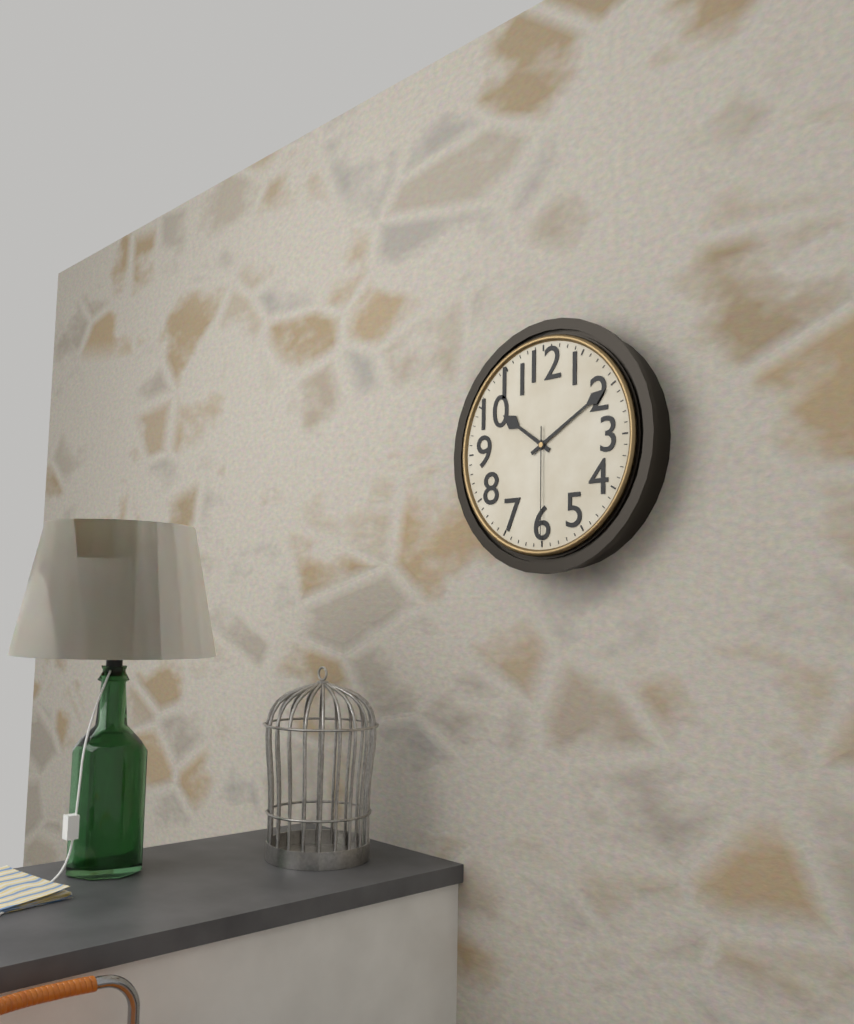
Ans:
10h10m30s
